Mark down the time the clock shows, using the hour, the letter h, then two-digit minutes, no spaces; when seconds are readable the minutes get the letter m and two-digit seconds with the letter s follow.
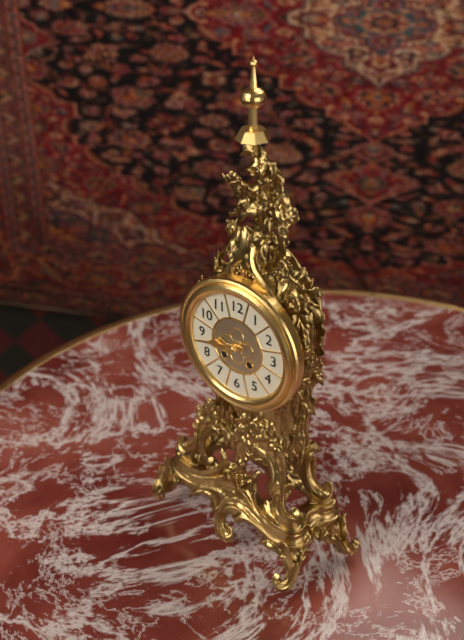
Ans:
8h43
